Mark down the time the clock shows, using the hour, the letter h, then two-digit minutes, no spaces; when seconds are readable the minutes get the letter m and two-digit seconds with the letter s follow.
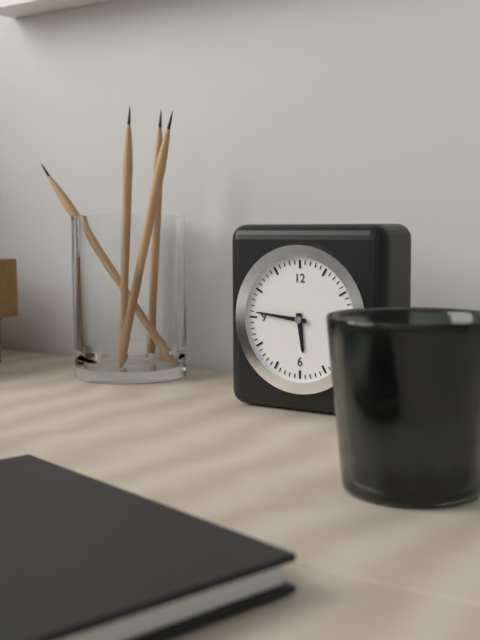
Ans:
5h46
